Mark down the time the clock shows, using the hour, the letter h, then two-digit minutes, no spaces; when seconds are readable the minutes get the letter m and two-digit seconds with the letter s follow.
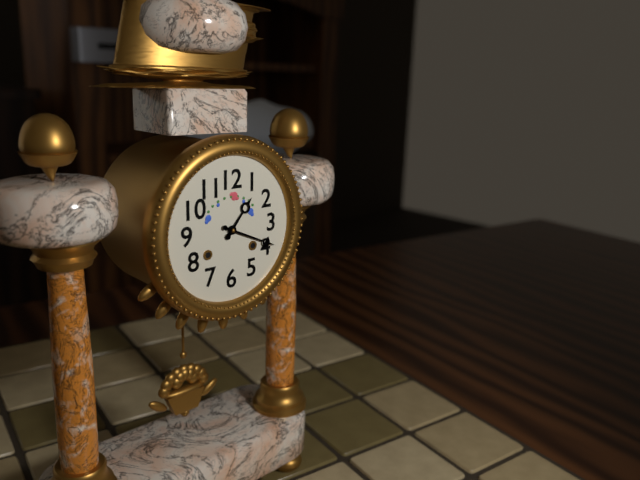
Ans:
1h19
